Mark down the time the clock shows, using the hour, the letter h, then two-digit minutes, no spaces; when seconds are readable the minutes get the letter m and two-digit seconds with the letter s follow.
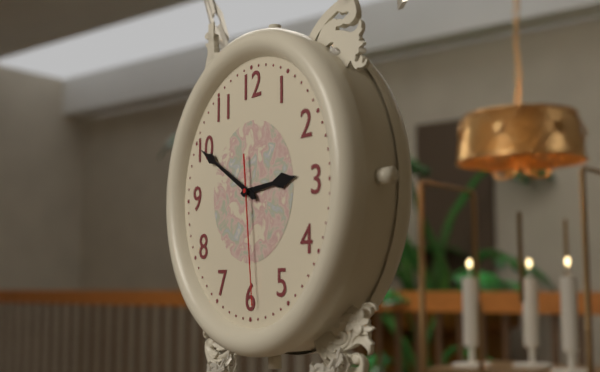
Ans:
2h50m29s
